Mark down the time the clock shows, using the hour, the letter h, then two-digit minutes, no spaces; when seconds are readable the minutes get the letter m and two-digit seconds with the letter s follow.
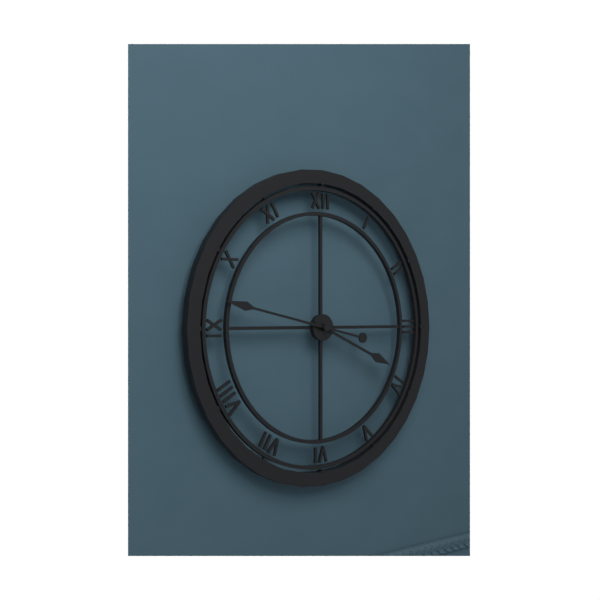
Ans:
3h47
